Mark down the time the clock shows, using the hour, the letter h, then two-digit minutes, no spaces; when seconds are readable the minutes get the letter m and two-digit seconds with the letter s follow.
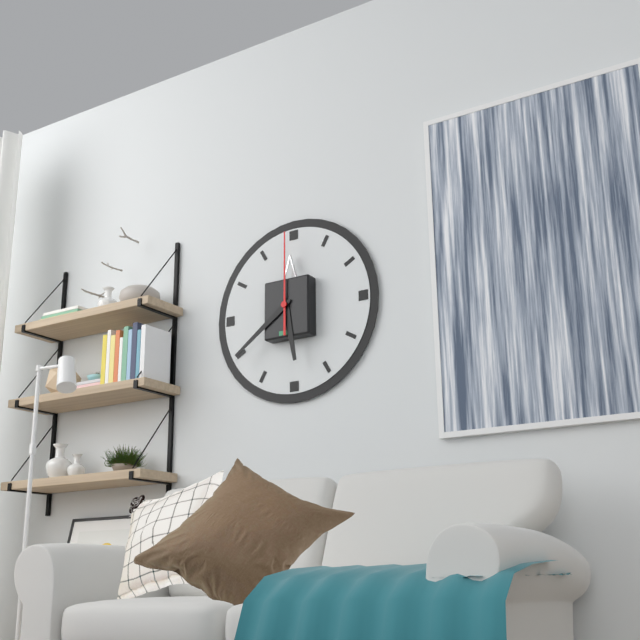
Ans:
5h39m00s
